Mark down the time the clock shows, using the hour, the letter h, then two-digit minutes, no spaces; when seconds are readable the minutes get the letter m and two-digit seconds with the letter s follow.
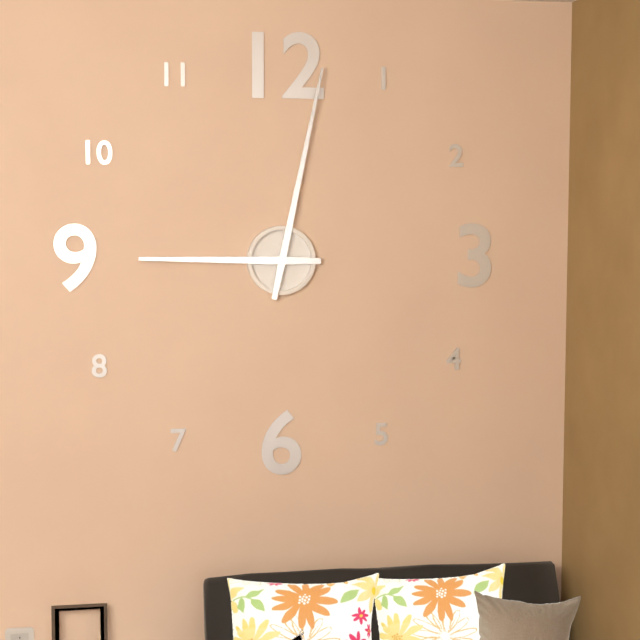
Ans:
9h02
